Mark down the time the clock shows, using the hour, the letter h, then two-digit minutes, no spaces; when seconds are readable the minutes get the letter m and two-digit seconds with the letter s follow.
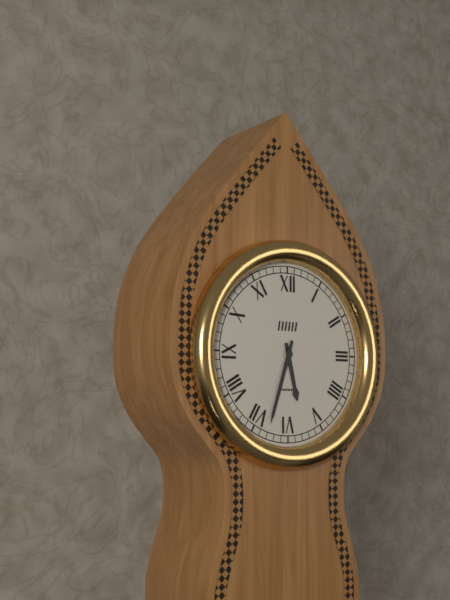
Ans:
5h33
